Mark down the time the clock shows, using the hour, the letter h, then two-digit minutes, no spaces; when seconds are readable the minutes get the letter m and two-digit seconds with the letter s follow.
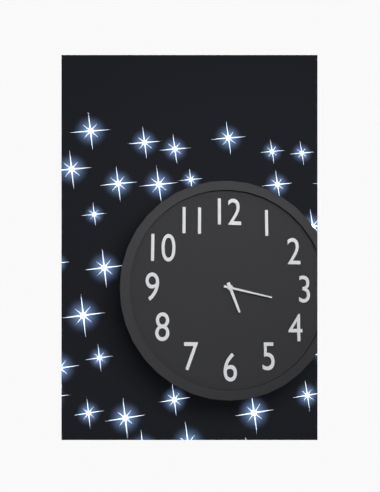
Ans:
5h17
